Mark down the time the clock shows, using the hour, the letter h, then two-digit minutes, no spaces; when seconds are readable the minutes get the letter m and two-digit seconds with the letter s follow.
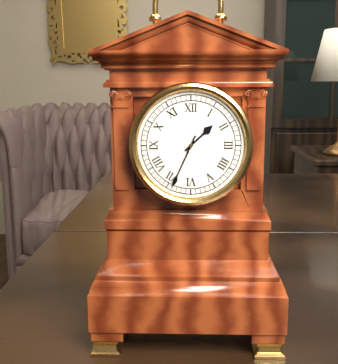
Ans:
1h34
